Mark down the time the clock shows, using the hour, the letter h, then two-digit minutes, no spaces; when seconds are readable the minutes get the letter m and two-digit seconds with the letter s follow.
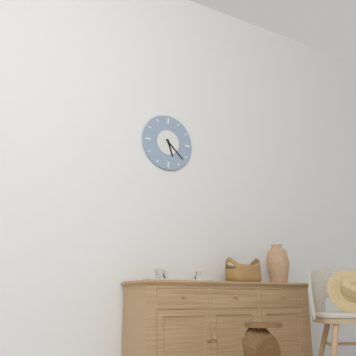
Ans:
5h22
